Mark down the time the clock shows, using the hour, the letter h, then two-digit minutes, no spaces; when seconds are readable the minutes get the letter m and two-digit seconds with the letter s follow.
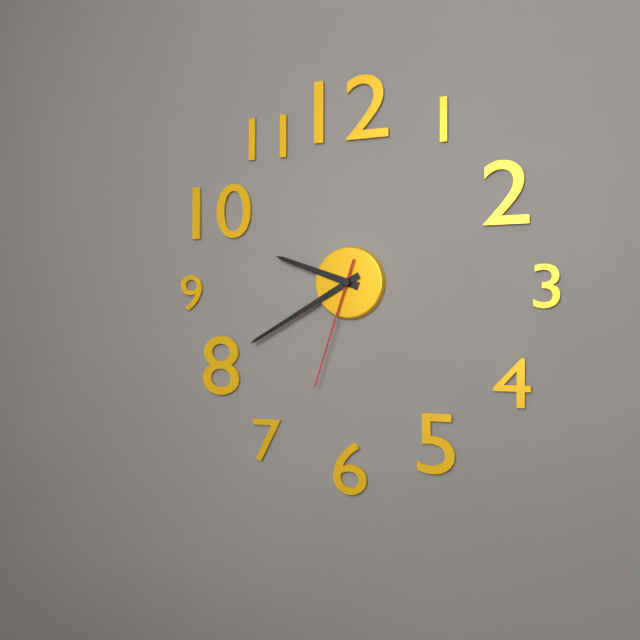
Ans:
9h40m33s
